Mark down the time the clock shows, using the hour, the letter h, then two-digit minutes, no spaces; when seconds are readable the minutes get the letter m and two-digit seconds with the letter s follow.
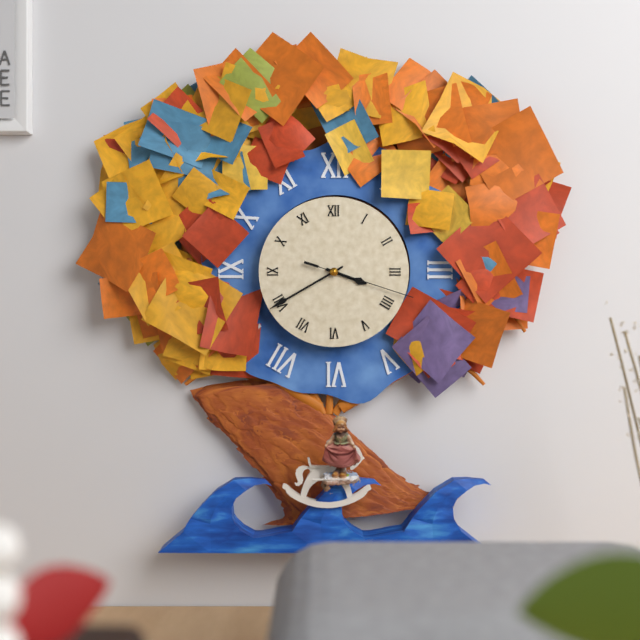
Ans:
3h40m18s
